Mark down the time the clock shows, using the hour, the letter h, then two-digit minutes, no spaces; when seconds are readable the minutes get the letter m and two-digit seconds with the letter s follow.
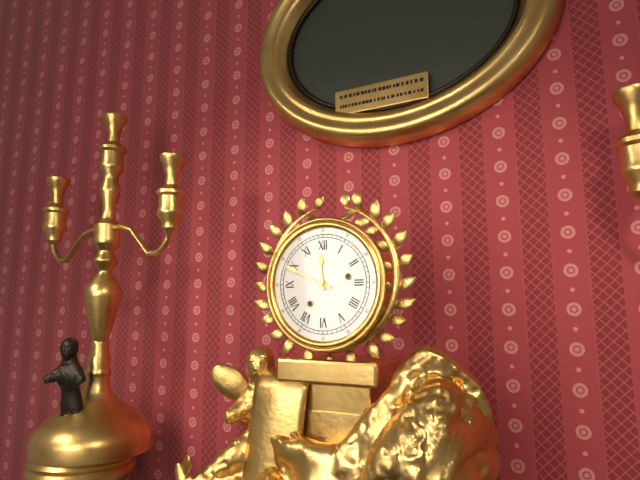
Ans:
11h49
